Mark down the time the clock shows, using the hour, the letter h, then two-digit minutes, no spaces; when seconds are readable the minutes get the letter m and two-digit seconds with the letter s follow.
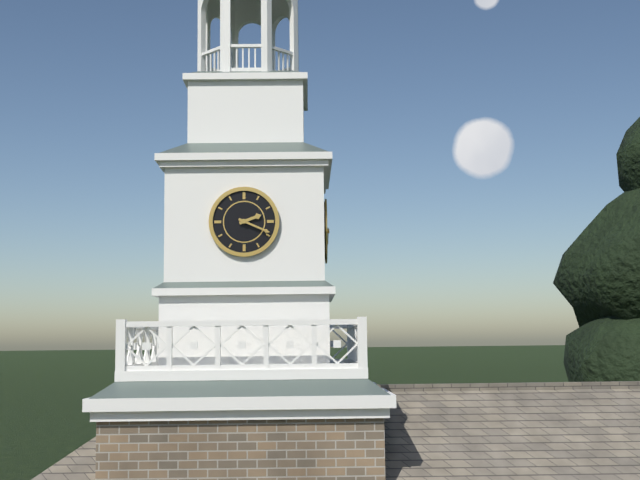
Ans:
2h19
